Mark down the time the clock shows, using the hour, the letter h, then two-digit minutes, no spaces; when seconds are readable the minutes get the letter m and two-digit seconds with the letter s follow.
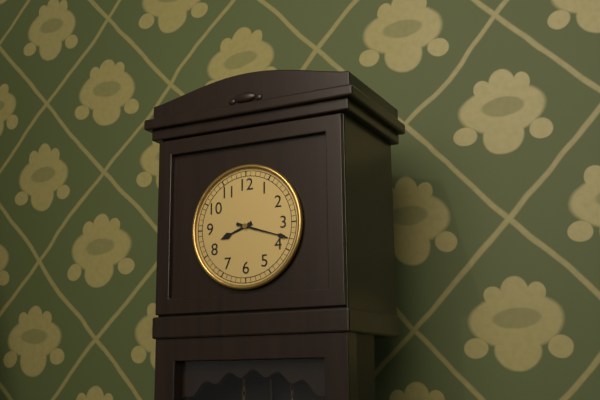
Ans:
8h18
